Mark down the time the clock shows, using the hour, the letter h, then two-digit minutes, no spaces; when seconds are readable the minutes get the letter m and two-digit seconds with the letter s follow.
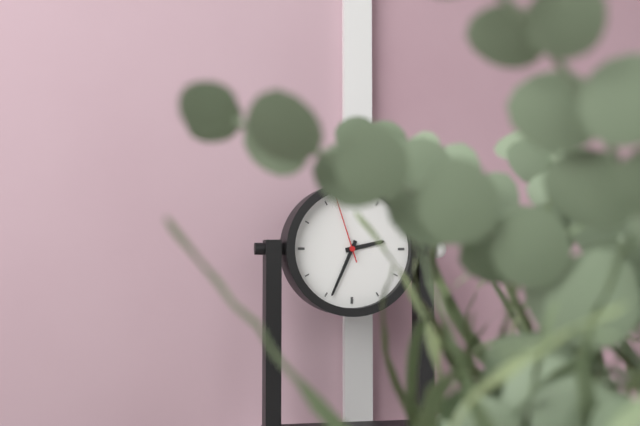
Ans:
2h34m57s
